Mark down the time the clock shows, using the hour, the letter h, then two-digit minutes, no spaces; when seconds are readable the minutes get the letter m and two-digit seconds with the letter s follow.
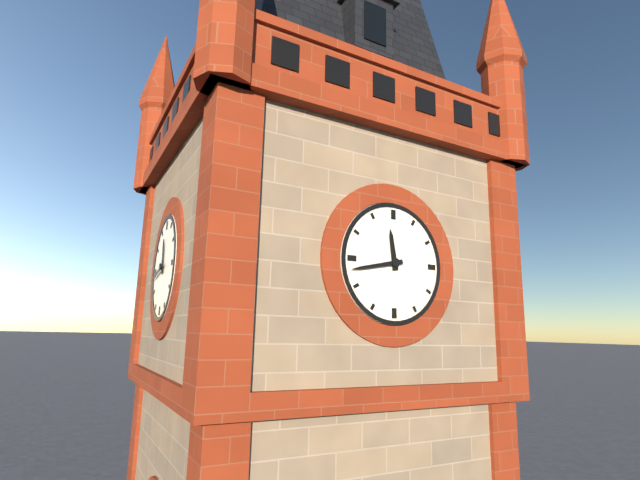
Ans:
11h43
